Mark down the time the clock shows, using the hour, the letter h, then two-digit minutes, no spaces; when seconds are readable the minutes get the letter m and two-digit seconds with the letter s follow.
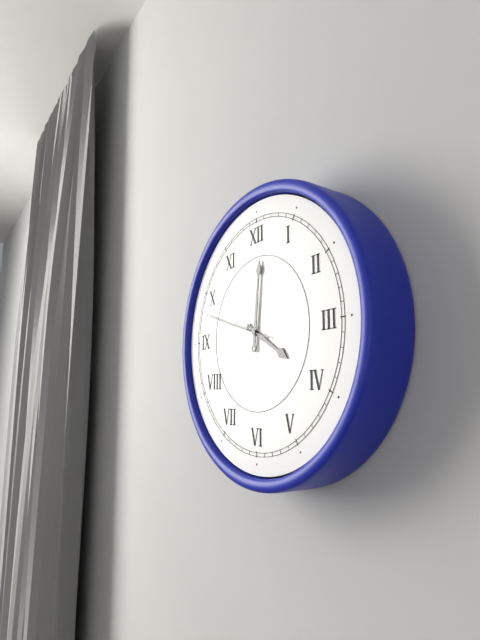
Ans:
4h01m48s
